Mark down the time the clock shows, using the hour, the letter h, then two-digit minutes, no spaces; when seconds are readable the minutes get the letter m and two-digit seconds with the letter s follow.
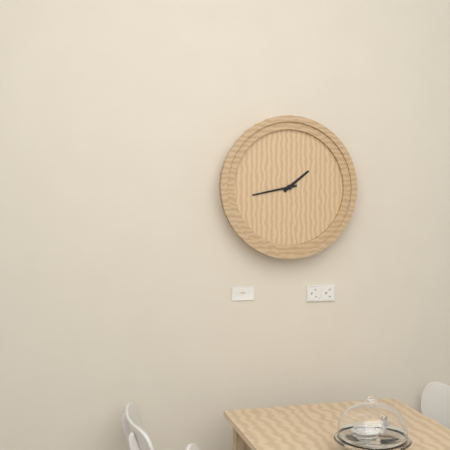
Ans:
1h43
